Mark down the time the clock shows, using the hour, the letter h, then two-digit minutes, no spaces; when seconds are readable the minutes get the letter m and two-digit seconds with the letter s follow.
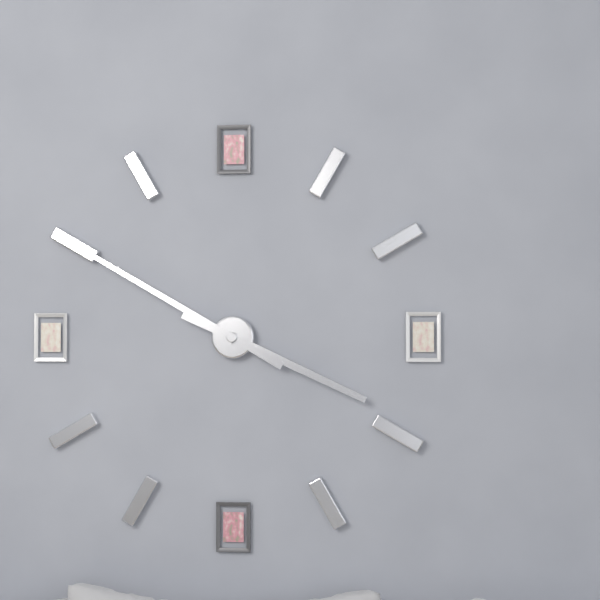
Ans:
3h50
